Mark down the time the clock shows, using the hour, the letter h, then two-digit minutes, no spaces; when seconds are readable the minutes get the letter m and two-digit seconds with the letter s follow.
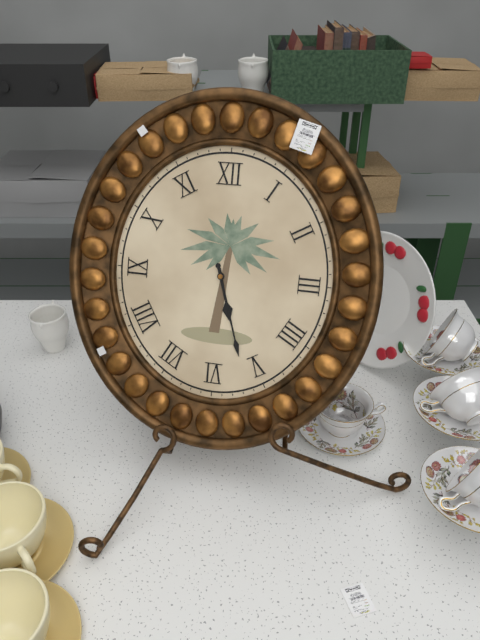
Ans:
5h27
